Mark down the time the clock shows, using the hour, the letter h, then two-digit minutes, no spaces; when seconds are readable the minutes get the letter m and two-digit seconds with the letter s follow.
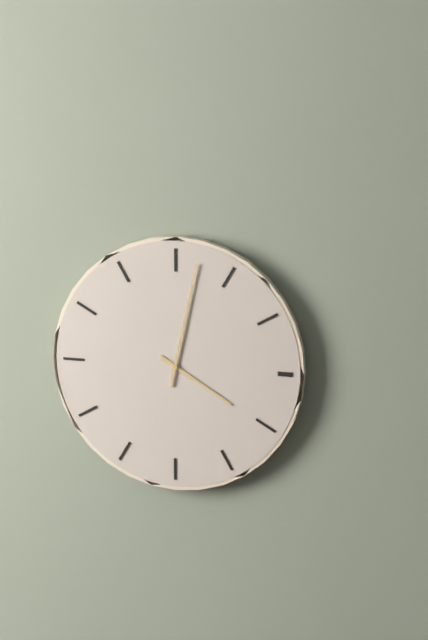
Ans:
4h02
